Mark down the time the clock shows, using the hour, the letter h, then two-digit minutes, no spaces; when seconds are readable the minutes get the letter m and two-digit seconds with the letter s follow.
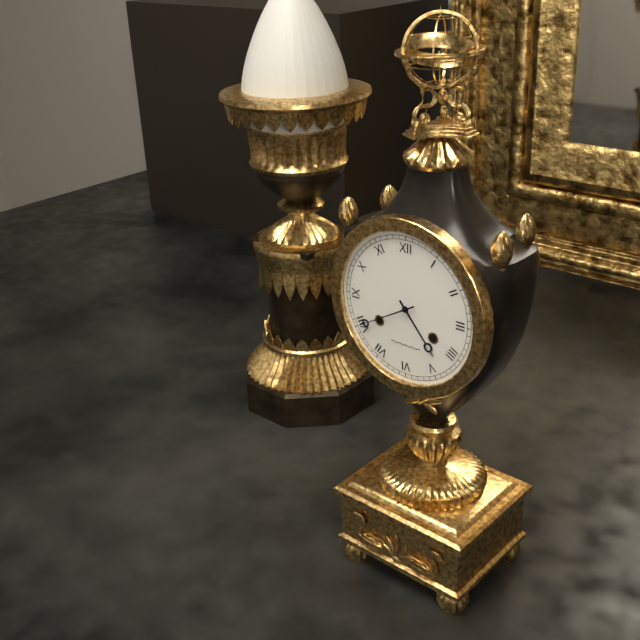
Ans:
4h40
